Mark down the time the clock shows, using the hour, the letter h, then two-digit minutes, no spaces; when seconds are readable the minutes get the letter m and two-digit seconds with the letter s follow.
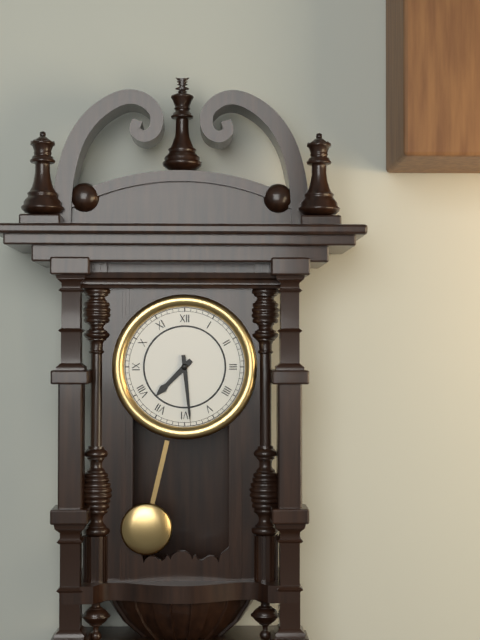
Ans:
7h29
